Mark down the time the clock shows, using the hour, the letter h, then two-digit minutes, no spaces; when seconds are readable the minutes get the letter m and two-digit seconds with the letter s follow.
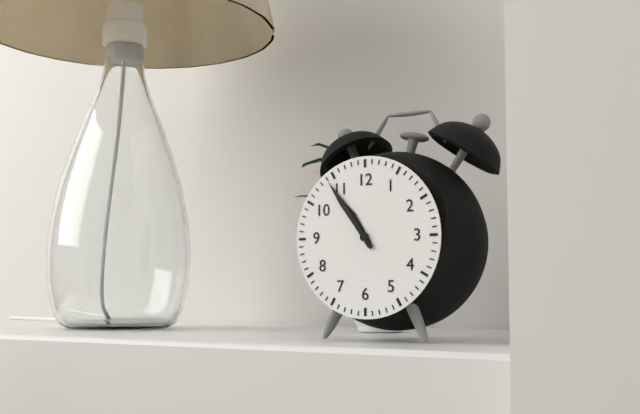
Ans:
10h54
